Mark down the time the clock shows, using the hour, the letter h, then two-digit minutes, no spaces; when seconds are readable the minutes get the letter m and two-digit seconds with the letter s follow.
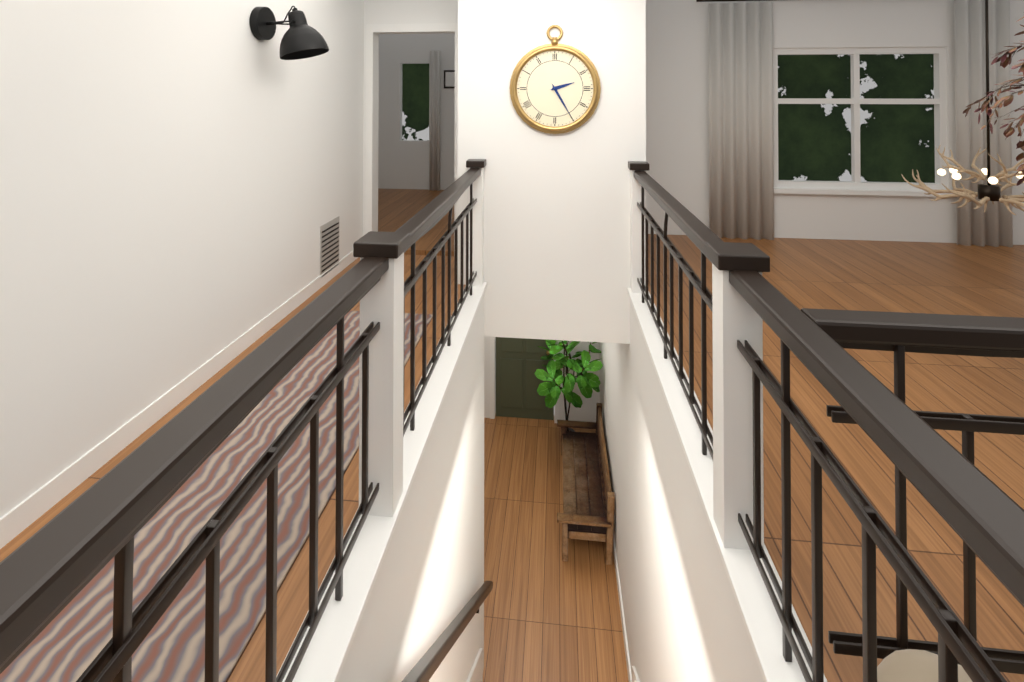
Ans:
2h25
